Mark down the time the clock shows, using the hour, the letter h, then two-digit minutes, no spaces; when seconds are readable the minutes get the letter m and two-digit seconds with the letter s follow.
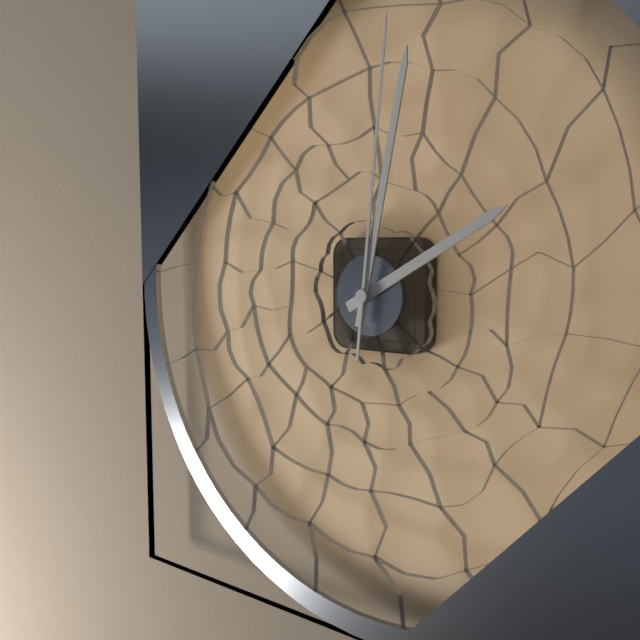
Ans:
2h02m01s
